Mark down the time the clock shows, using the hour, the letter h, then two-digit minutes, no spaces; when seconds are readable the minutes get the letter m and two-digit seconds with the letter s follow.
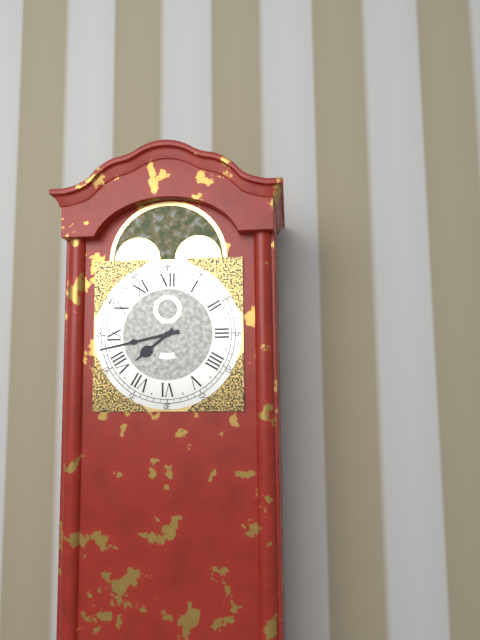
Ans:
7h43
